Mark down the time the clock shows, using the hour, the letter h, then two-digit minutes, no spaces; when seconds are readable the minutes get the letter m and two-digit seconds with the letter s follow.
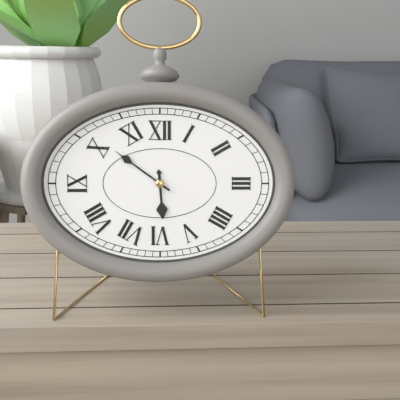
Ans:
5h51
